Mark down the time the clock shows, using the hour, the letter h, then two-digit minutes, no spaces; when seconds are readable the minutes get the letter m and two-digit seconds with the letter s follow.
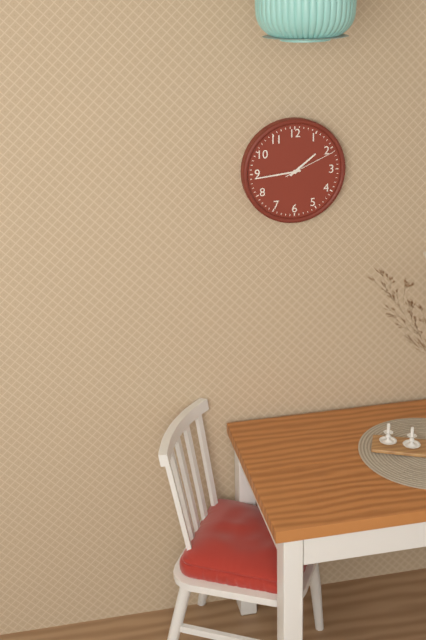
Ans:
1h44m11s
